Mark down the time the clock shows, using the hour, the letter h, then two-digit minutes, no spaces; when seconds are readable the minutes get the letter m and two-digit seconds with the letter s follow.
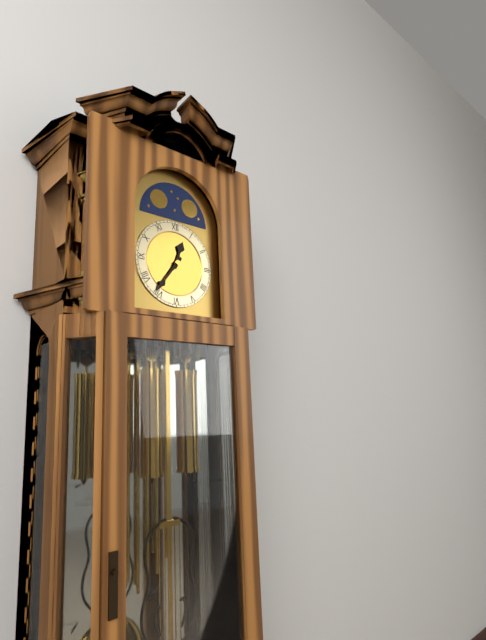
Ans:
12h36
